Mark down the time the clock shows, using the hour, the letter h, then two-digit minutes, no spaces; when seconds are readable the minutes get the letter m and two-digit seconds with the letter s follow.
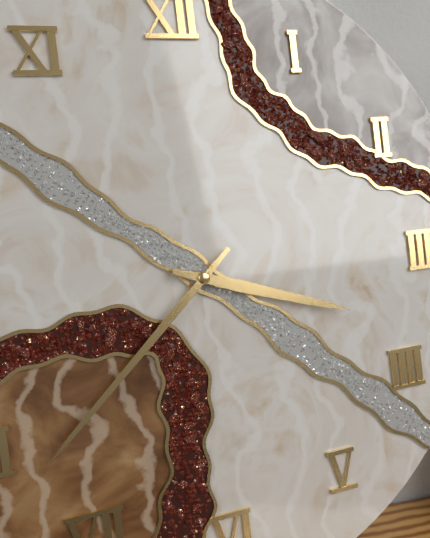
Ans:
3h38
